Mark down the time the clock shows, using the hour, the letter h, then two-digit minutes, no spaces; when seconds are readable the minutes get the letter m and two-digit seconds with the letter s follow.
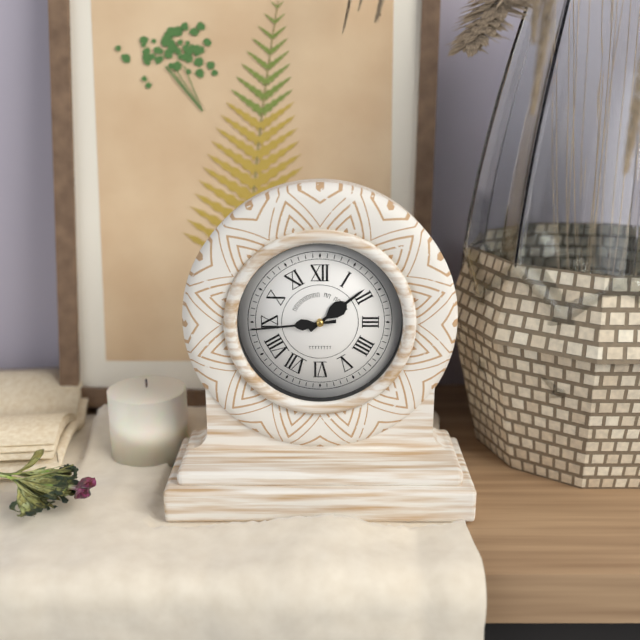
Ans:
1h44
